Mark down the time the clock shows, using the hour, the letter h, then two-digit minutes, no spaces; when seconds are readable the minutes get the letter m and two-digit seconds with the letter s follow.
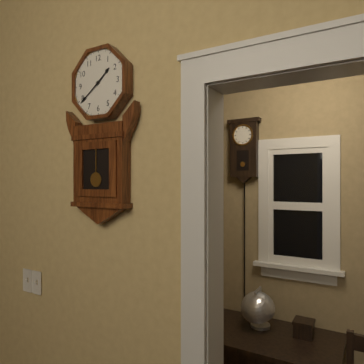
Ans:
1h39
